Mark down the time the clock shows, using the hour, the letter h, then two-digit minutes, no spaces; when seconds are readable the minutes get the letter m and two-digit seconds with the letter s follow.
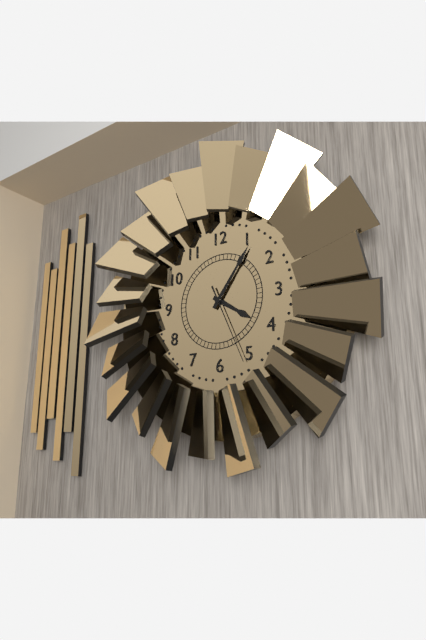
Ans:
4h06m26s
